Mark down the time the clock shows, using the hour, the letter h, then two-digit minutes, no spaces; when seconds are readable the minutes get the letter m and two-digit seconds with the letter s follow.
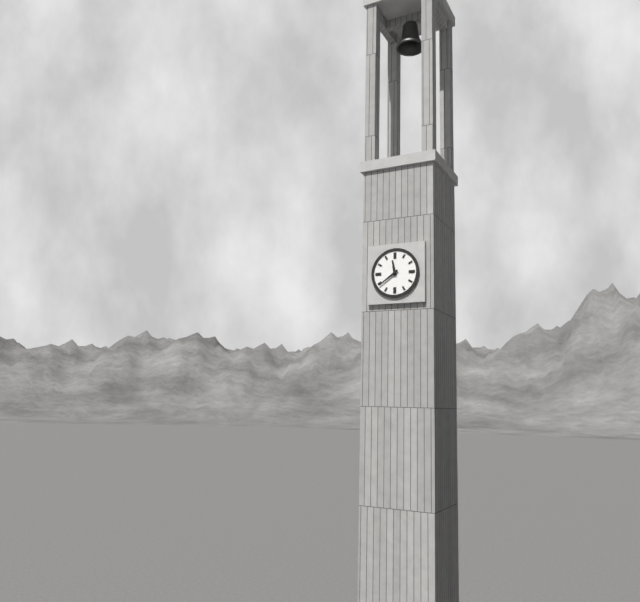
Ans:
11h39
